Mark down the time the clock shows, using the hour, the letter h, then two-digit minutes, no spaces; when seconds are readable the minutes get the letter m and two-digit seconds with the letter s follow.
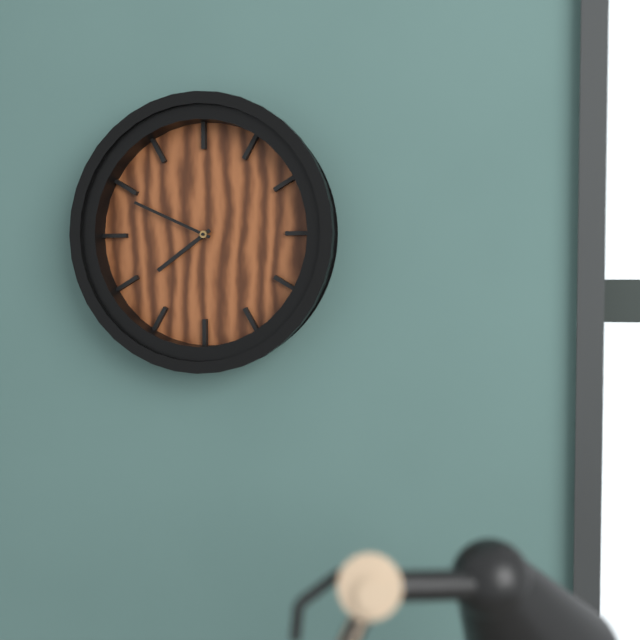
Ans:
7h49
